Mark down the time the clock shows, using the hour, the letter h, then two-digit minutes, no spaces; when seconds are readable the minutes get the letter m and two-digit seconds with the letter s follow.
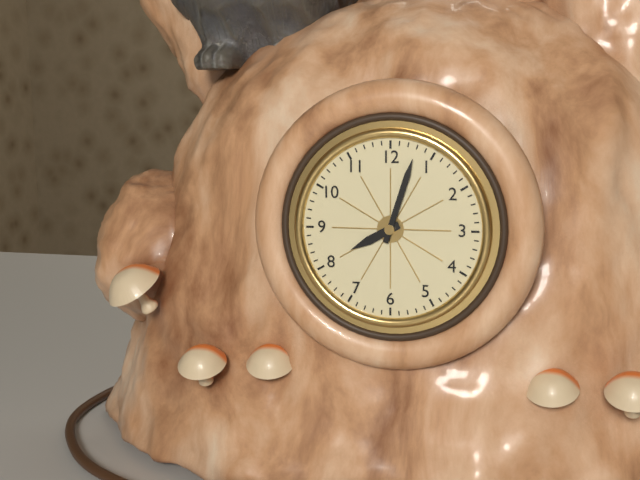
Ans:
8h03
